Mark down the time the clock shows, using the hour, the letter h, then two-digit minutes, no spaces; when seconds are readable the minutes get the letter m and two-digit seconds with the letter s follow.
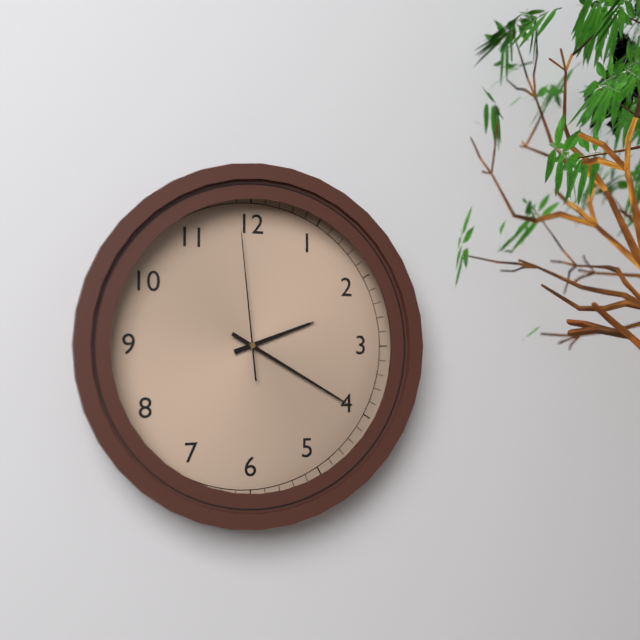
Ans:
2h20m59s
